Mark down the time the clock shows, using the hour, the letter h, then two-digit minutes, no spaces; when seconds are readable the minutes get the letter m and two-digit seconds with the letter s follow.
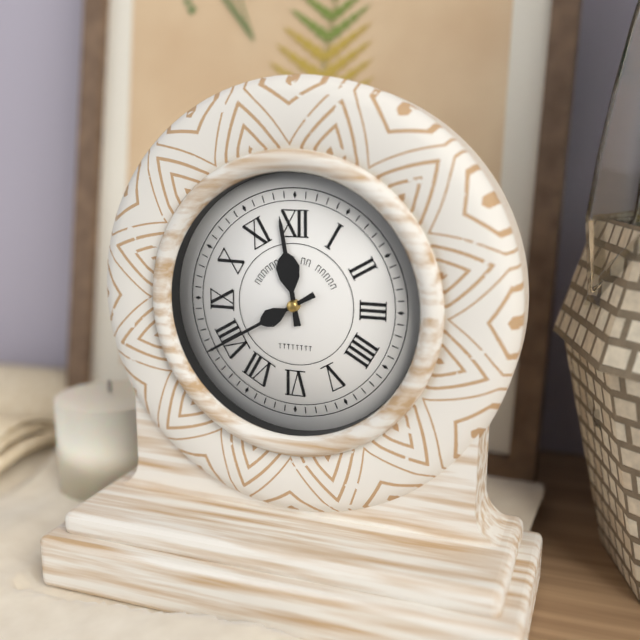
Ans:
11h40
